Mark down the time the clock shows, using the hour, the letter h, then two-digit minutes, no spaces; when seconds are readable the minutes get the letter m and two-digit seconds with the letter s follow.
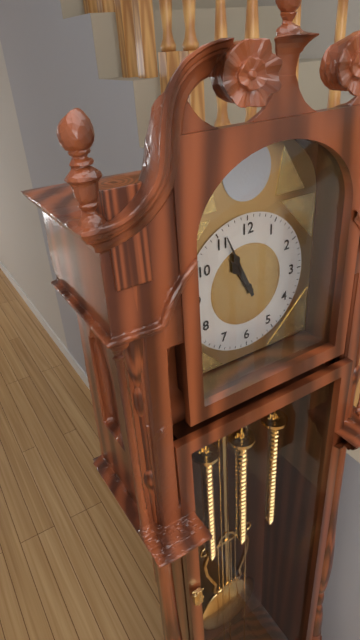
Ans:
10h56
